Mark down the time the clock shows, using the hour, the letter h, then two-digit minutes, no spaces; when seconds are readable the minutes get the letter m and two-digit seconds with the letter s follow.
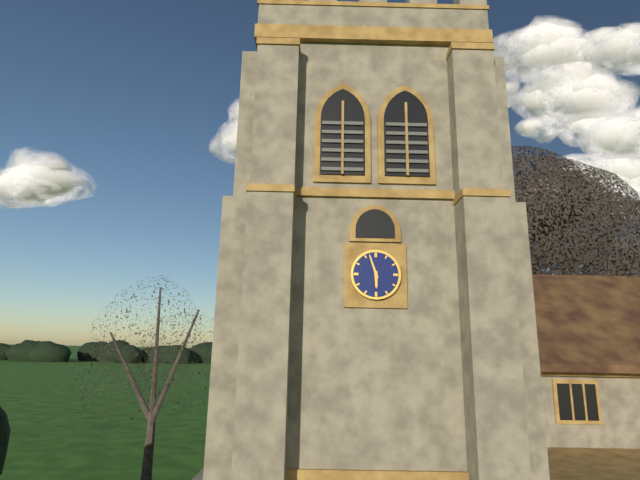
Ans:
5h57
